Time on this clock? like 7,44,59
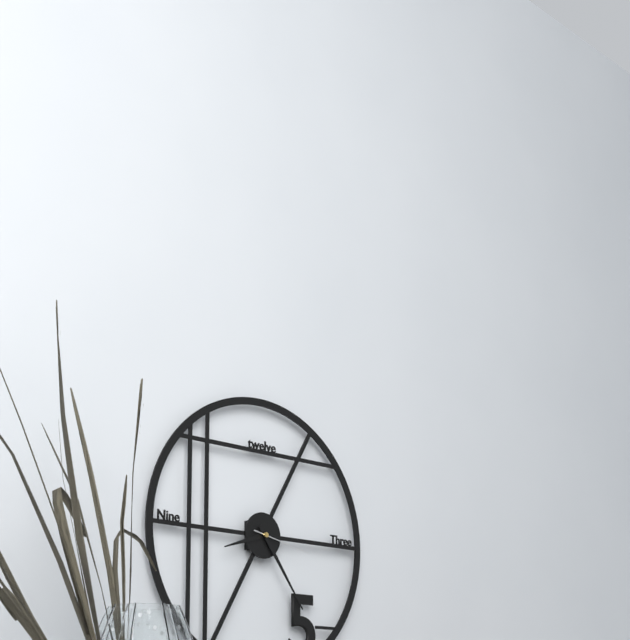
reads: 8,24,17
